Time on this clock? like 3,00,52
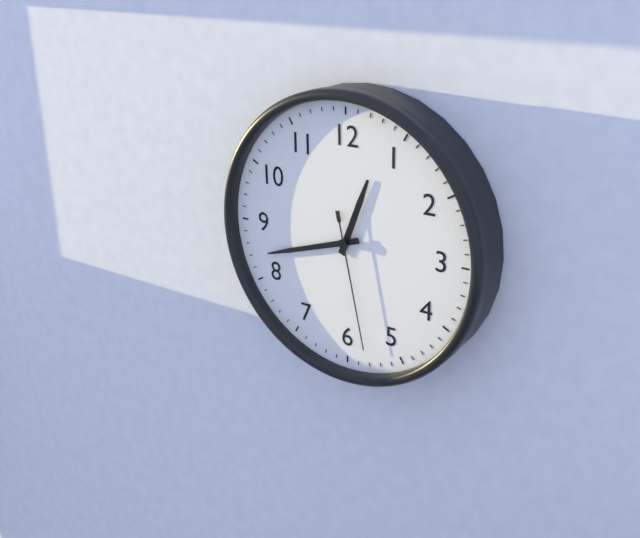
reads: 12,42,28
